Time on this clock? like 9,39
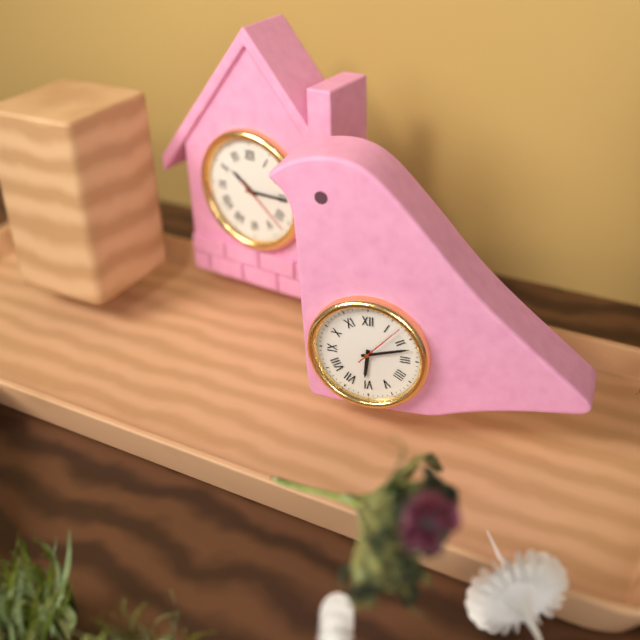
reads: 6,12
